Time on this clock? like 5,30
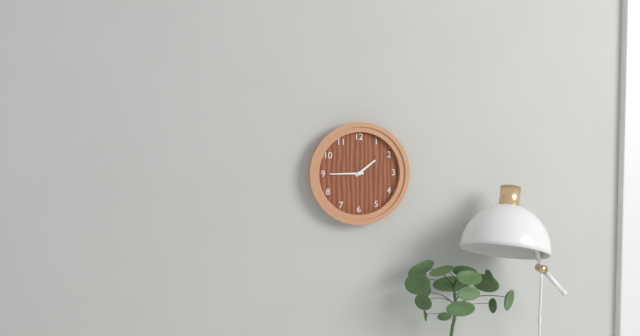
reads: 1,45
